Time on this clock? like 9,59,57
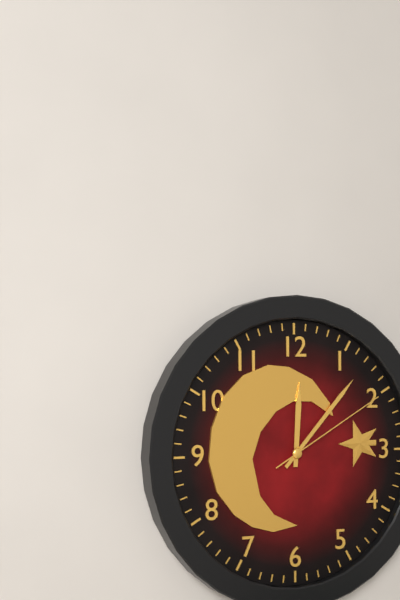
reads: 12,07,10
